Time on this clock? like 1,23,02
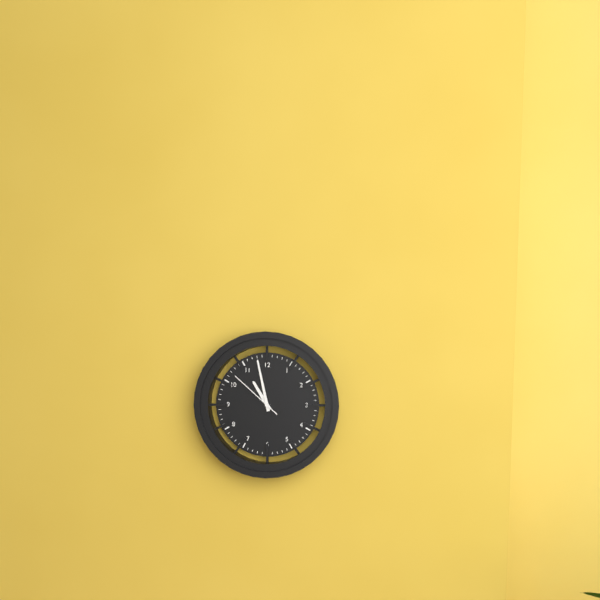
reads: 10,58,52
